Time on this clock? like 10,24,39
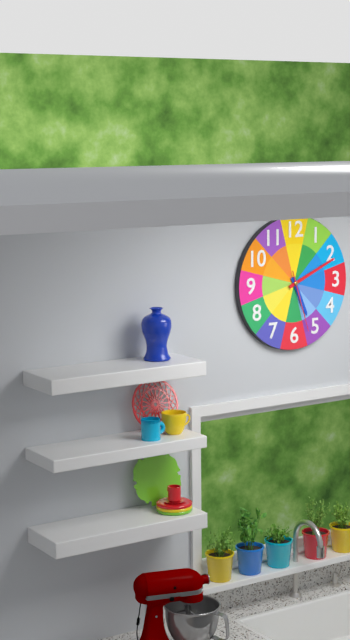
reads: 5,11,27
